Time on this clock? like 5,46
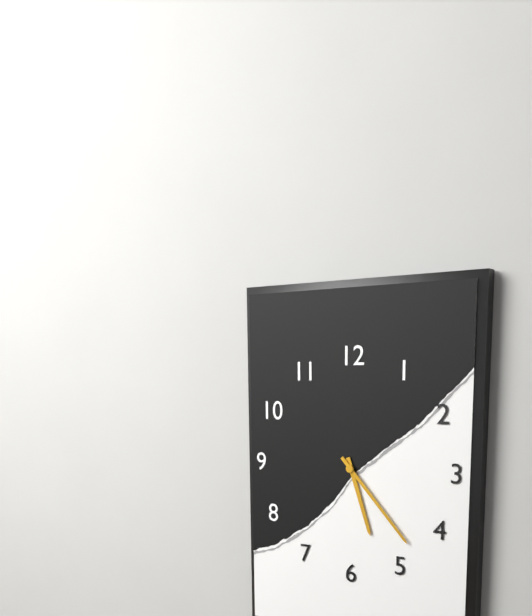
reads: 5,23
